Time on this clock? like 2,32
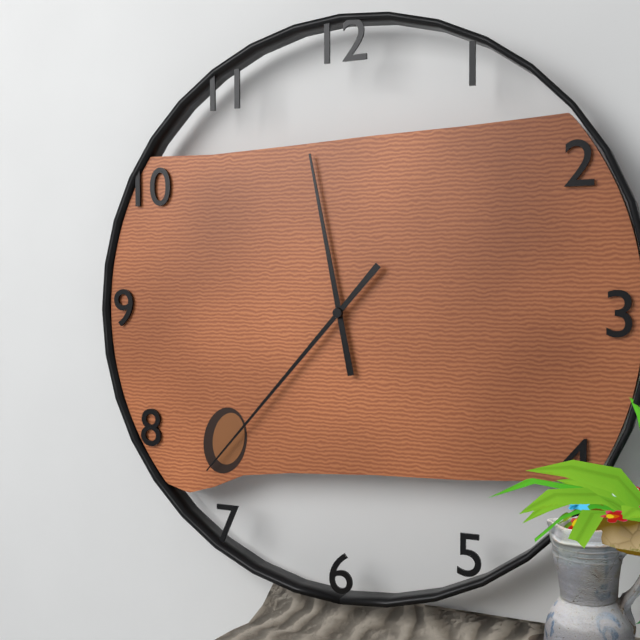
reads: 11,37
